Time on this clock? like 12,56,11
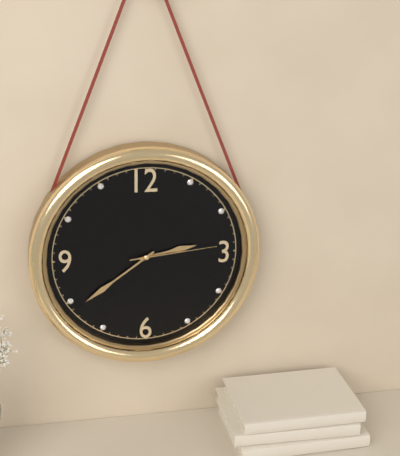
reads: 2,39,14
